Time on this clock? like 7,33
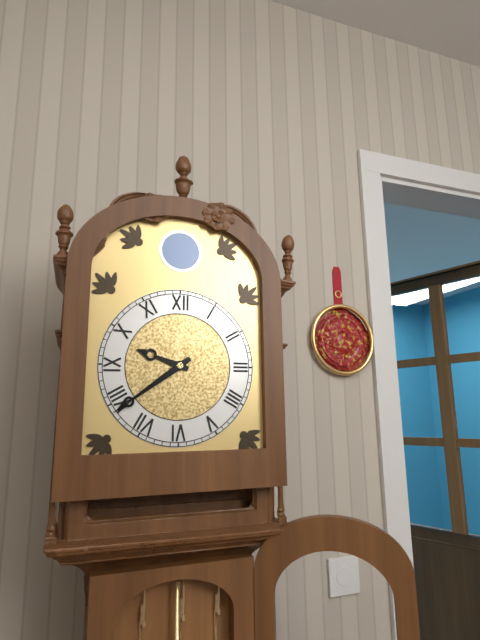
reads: 9,39
